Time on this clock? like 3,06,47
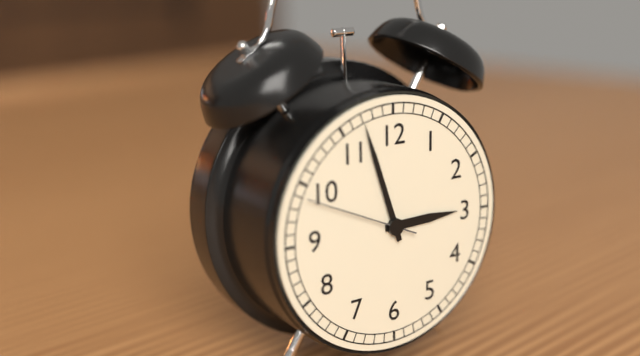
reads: 2,57,49
